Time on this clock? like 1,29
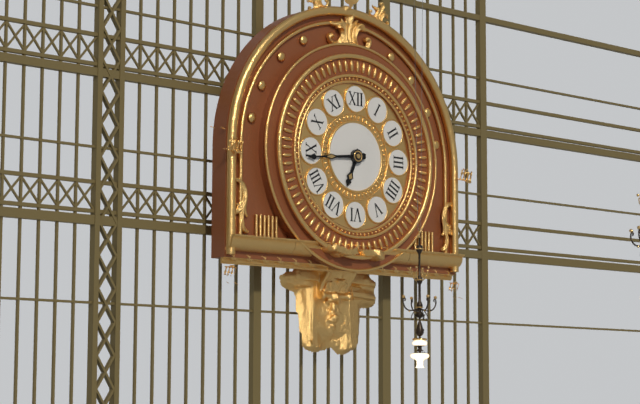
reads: 6,44
